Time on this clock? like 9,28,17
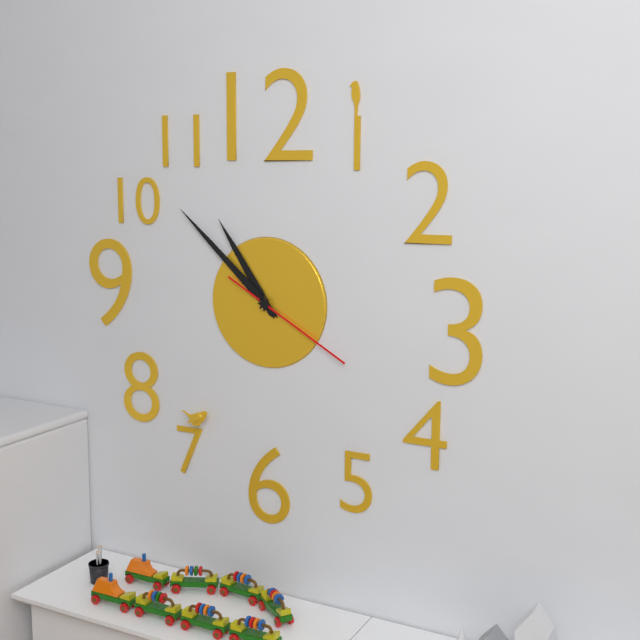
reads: 10,52,20
